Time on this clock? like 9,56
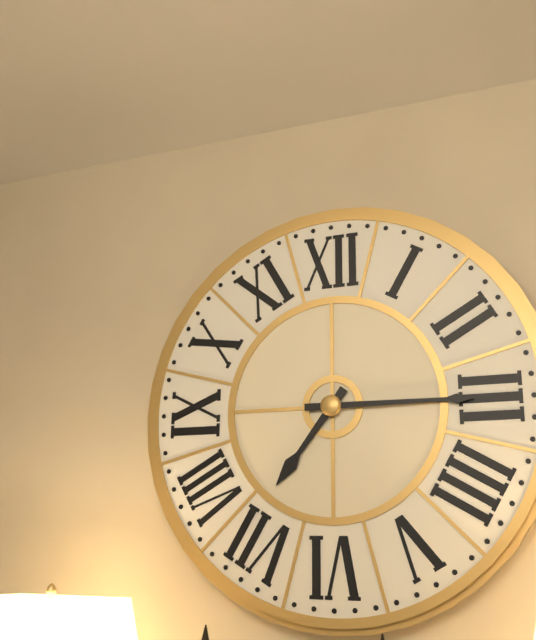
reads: 7,15
